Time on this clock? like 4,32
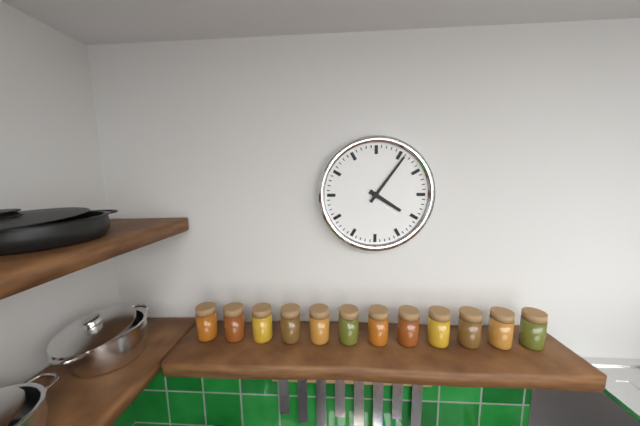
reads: 4,06
